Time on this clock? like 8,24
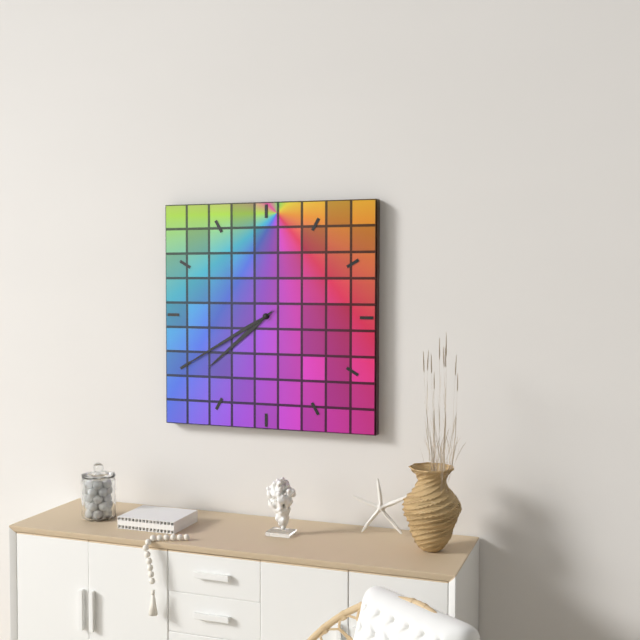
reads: 7,40
